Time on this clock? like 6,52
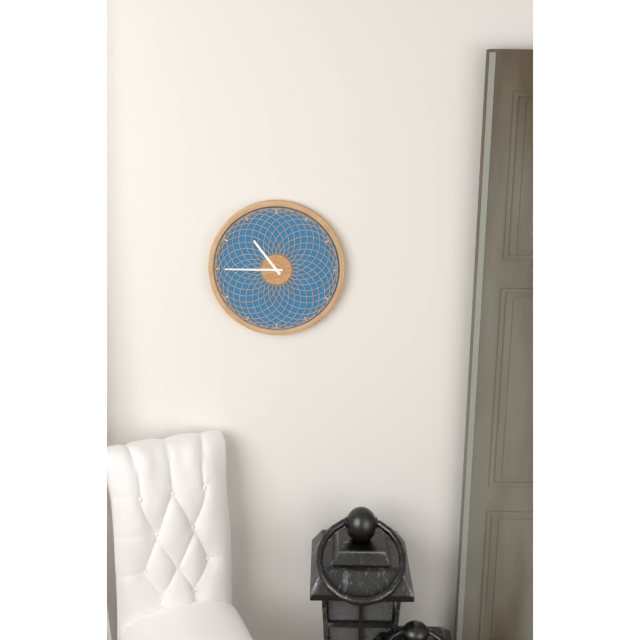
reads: 10,45
